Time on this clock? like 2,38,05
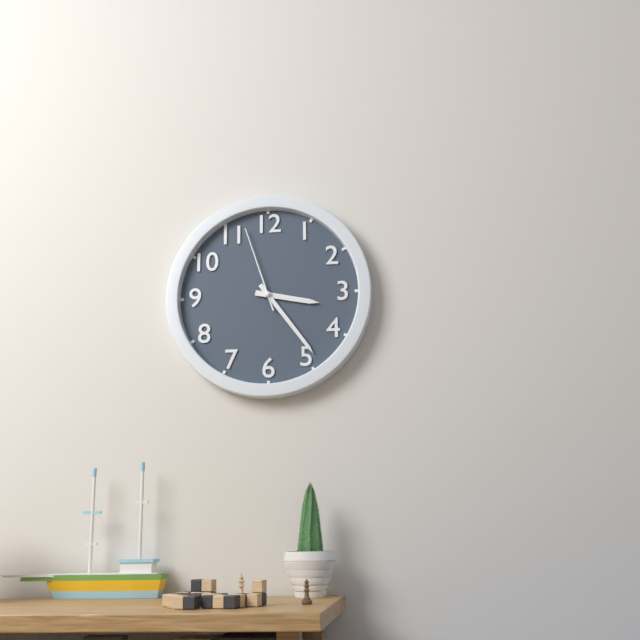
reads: 3,24,57
